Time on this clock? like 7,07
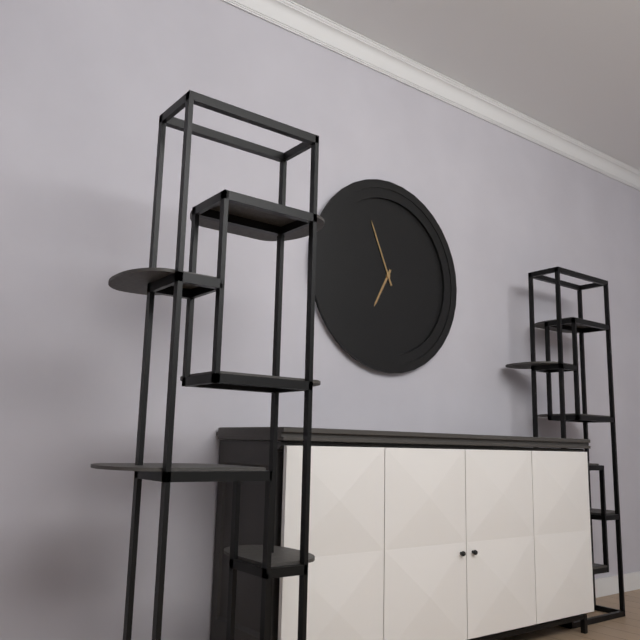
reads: 6,56
